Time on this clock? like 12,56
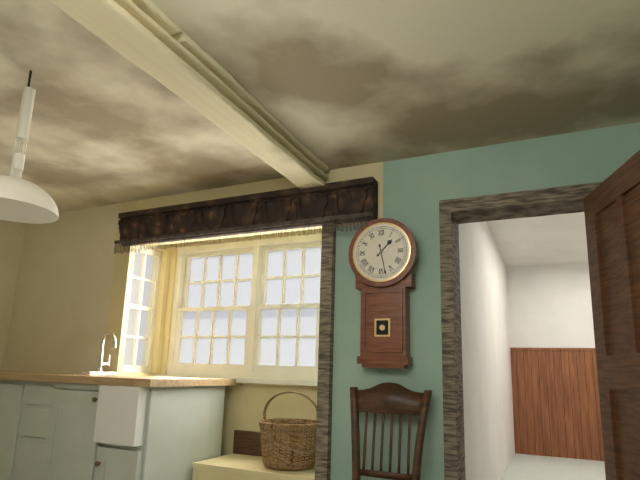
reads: 1,28
